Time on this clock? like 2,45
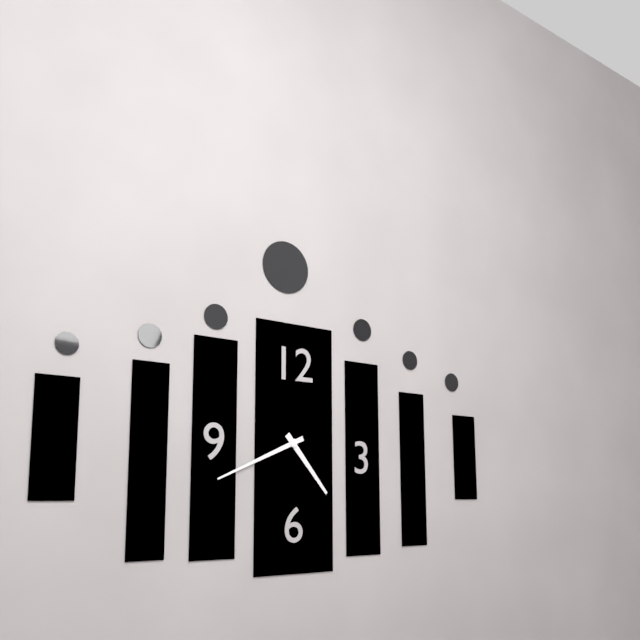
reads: 4,41
